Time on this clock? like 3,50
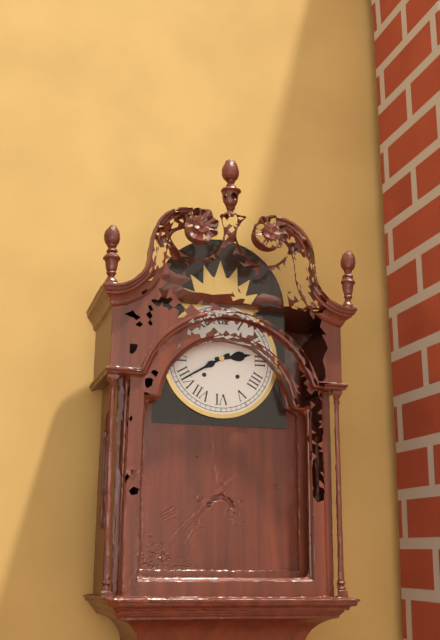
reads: 2,40
